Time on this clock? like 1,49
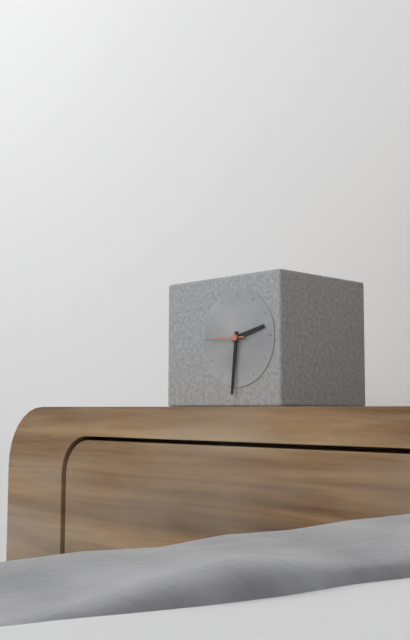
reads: 2,31
